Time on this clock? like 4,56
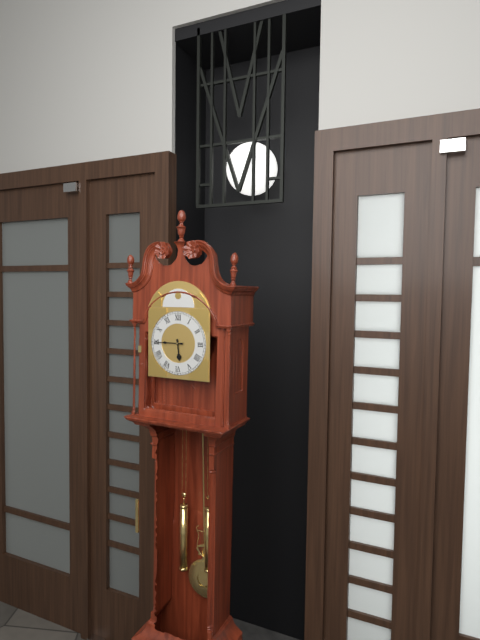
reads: 5,45
